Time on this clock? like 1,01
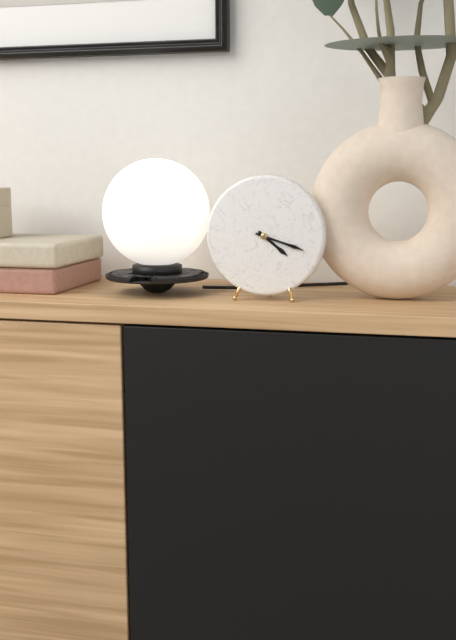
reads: 4,18
